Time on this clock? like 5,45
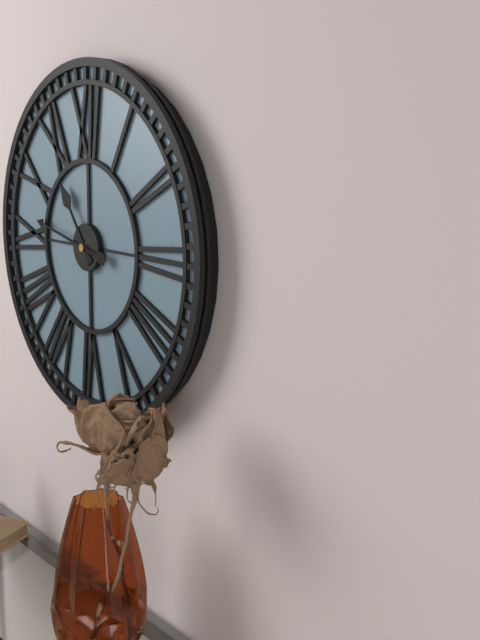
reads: 10,47
